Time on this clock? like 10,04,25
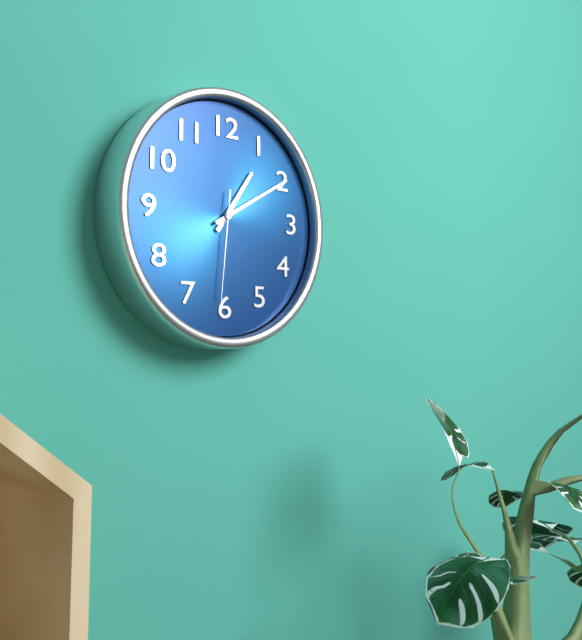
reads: 1,10,31
